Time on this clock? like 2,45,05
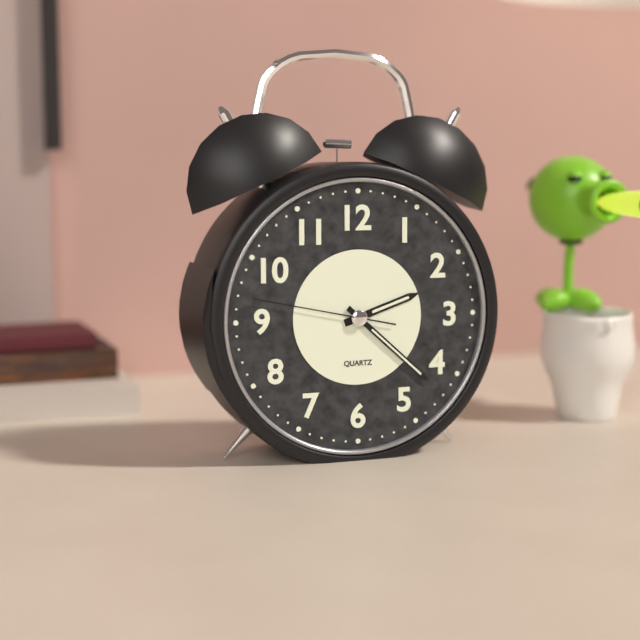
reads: 2,22,47
